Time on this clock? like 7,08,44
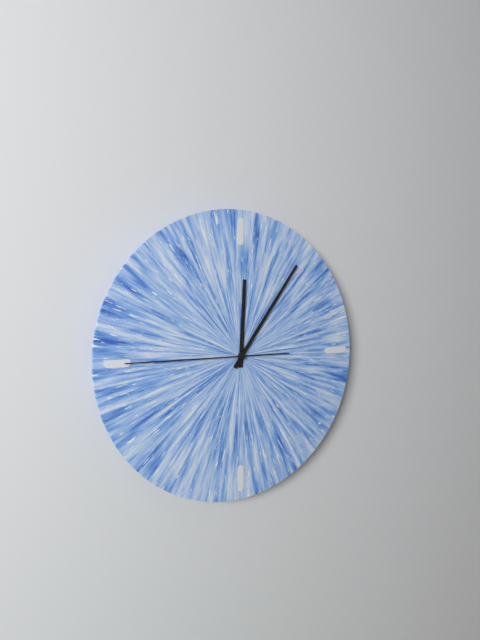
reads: 12,06,45
